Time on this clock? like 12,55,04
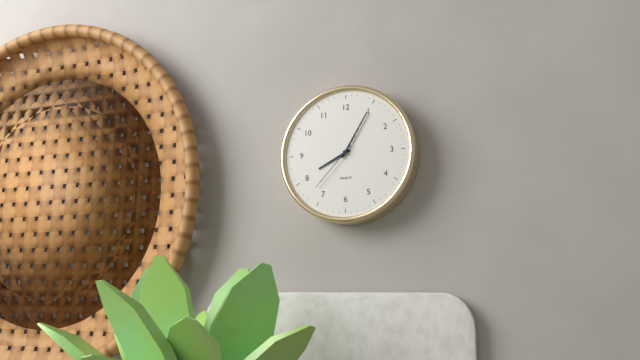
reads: 8,05,37
